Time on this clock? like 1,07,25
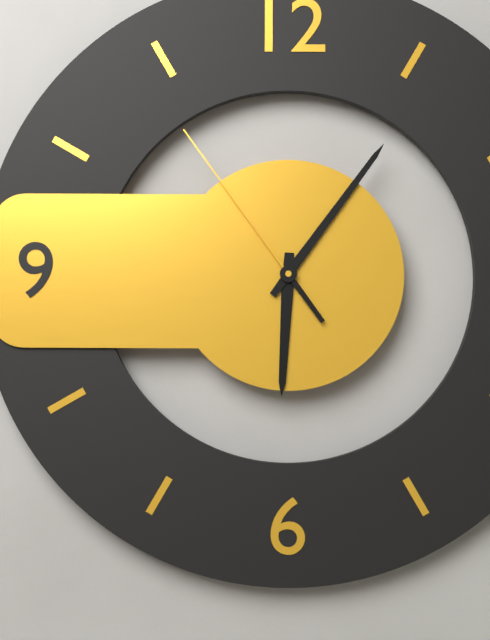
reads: 6,06,54
